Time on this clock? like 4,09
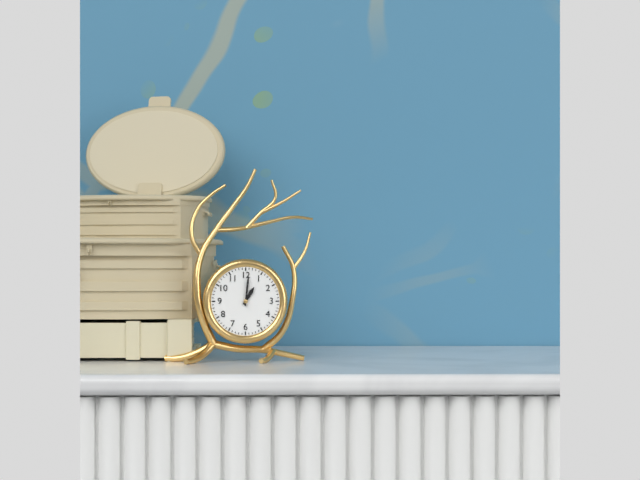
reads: 1,01
